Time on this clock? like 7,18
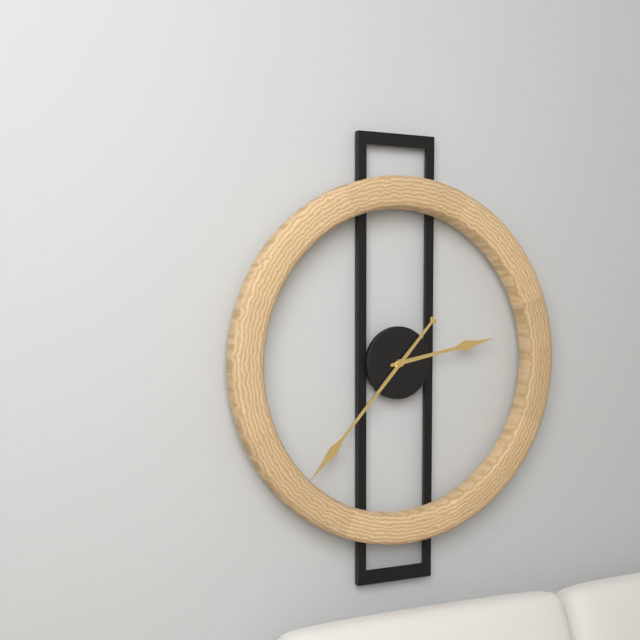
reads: 2,37
